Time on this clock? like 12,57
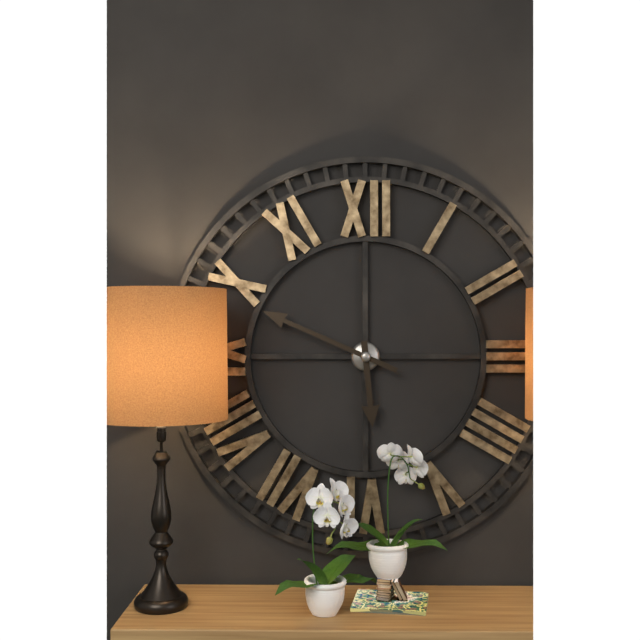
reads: 5,49
